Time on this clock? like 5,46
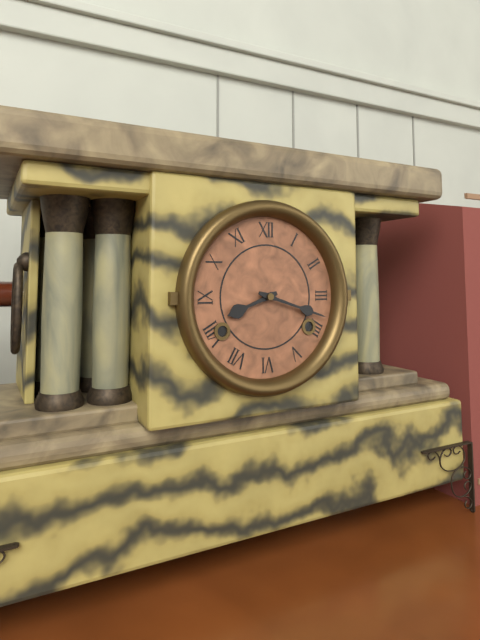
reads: 8,18
